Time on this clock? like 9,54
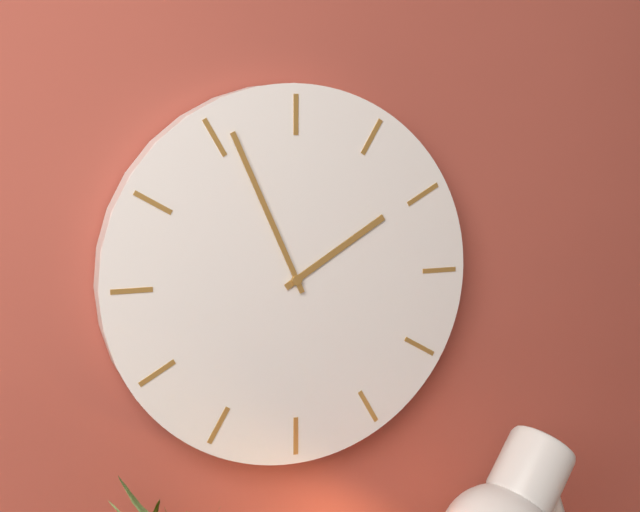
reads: 1,56
